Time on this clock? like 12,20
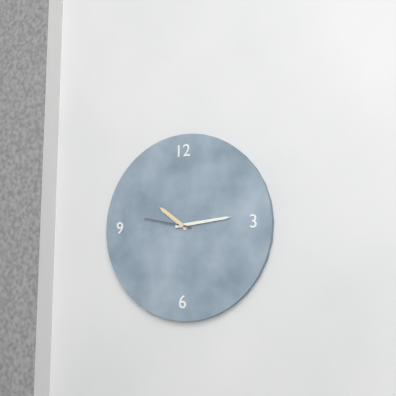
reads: 10,14
